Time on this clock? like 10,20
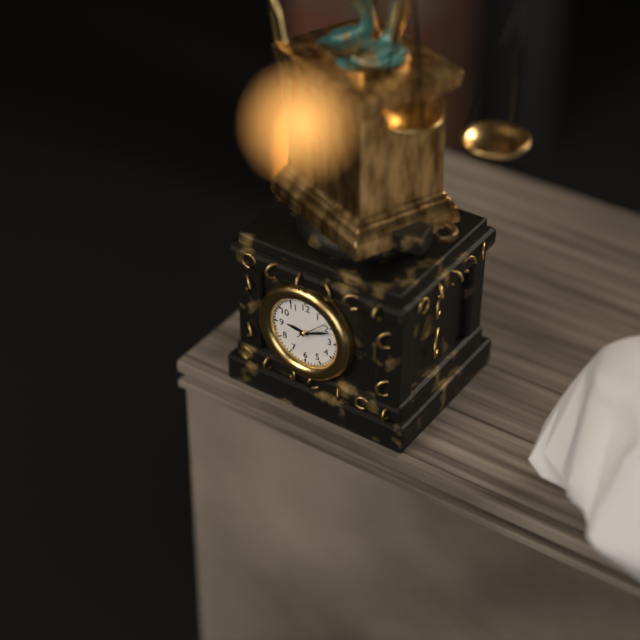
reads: 9,11
